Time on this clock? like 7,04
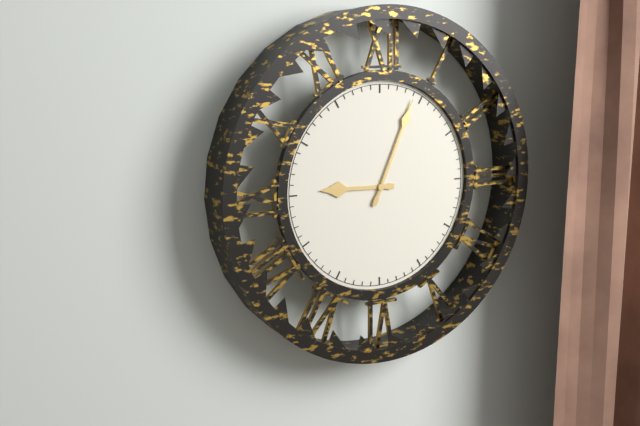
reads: 9,04
